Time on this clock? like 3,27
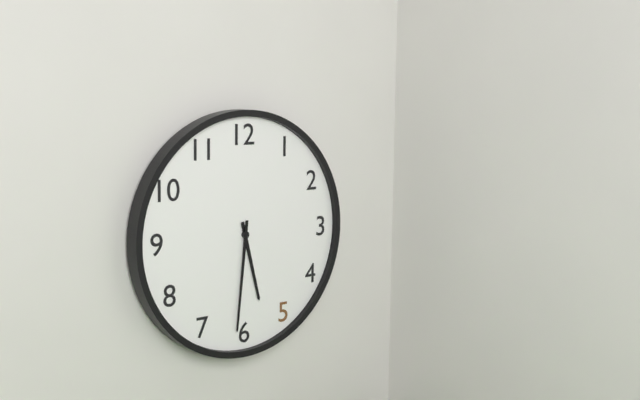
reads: 5,31
